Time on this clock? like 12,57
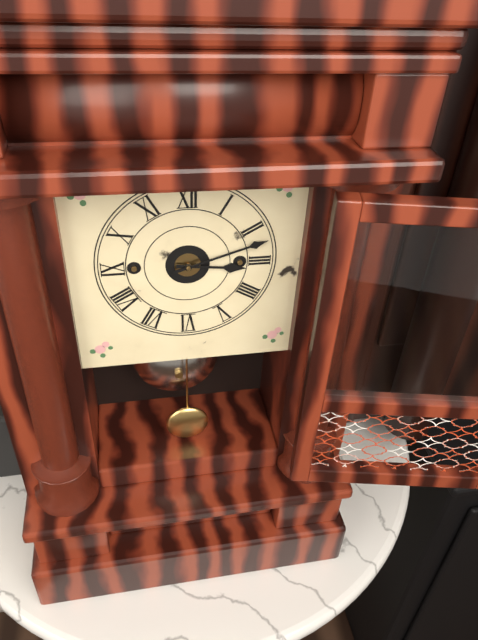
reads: 3,12
